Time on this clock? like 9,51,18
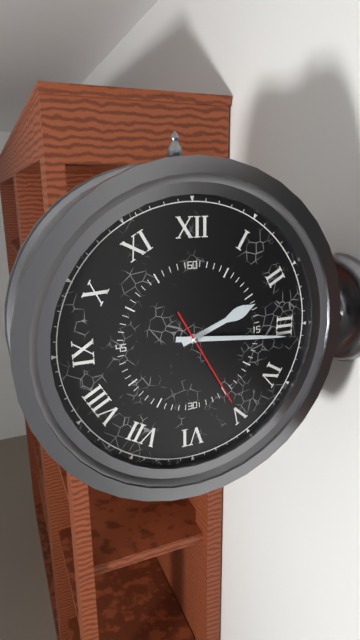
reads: 2,16,25
